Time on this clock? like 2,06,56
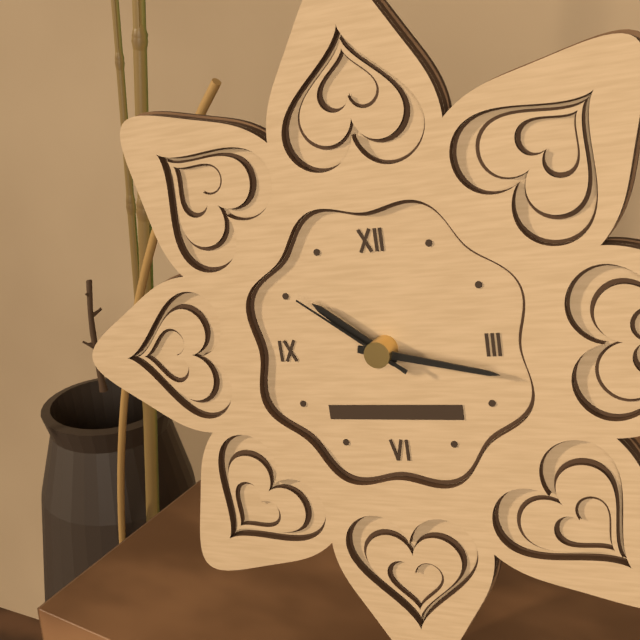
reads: 10,17,51
